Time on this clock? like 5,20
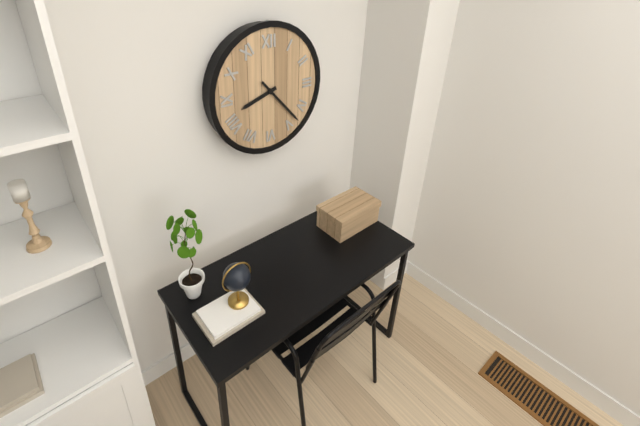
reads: 8,23
